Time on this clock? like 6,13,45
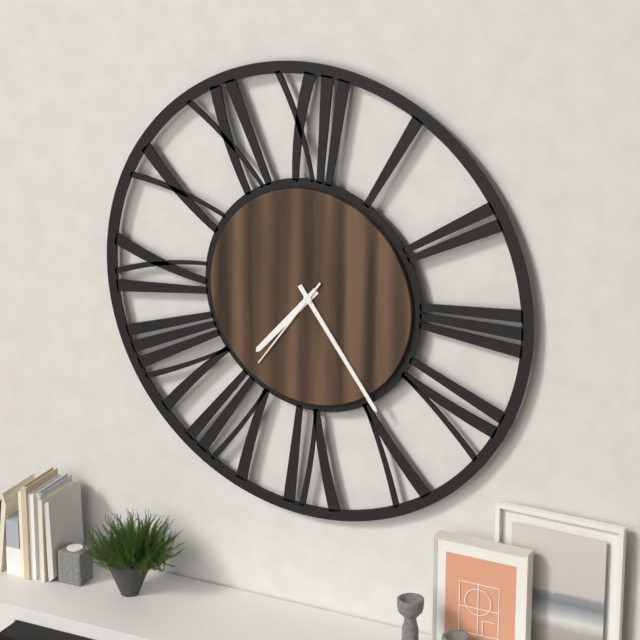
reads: 7,24,36
